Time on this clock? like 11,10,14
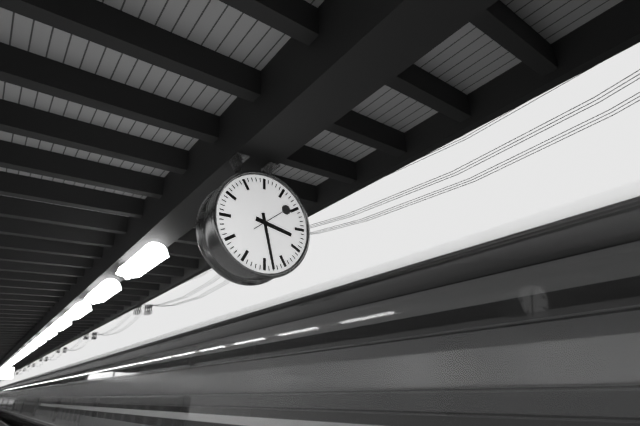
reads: 3,28,09
